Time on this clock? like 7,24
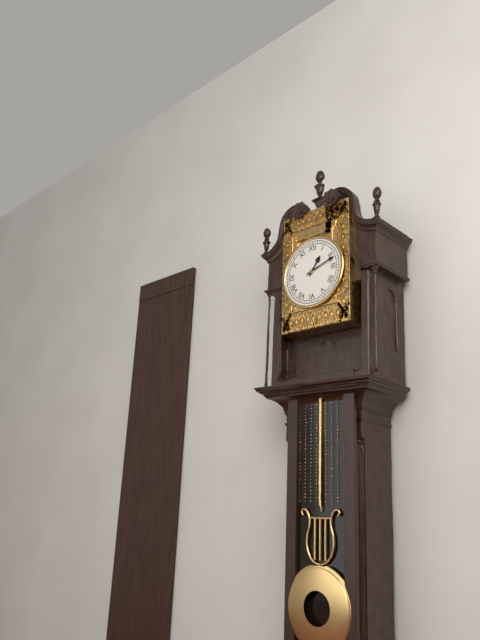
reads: 1,12
